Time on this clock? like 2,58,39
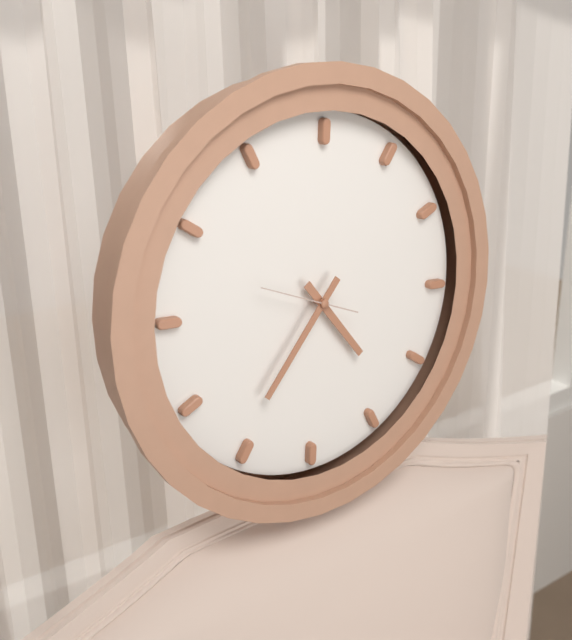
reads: 4,36,48
